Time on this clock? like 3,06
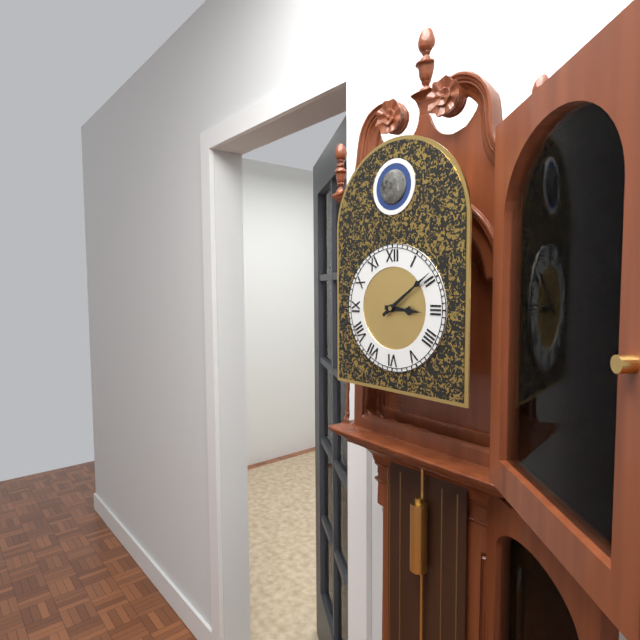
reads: 3,09
